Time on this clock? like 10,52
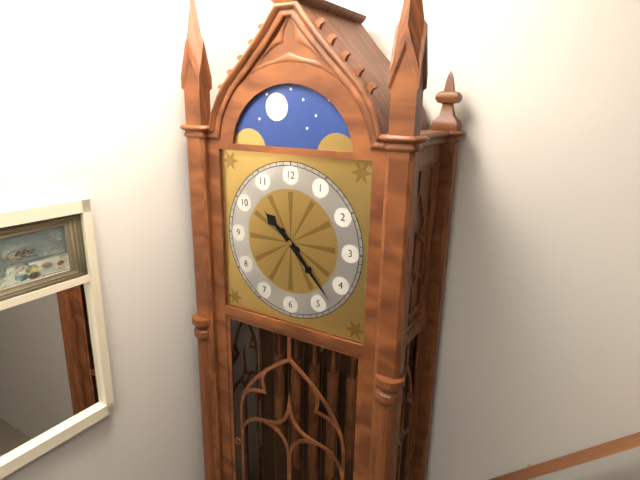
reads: 10,23
